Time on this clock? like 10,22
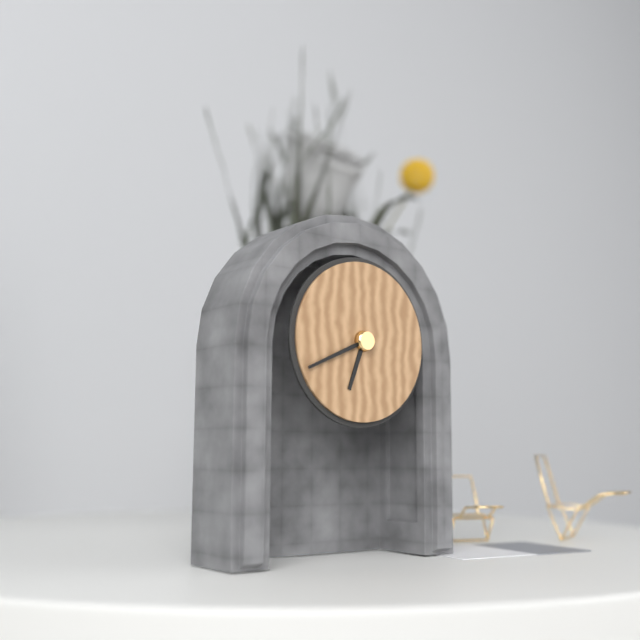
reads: 6,41
